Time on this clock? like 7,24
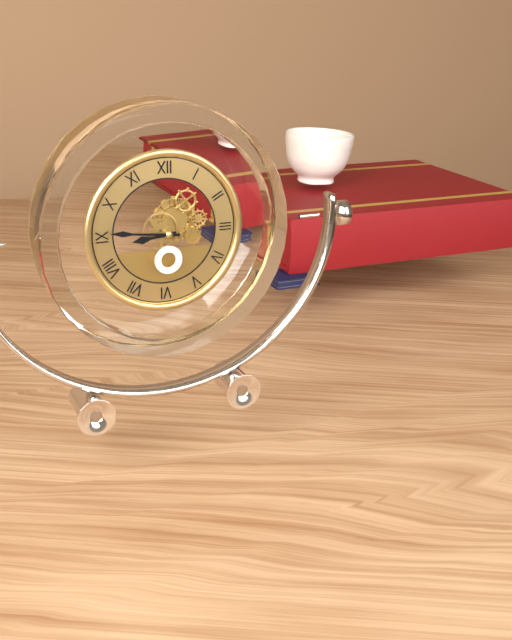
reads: 8,46
